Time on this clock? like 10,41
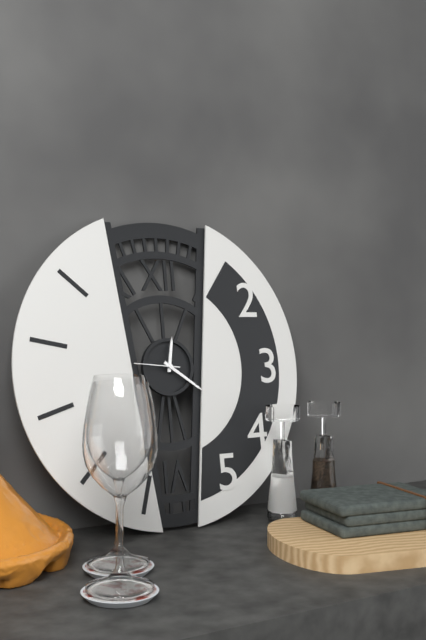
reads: 12,21
